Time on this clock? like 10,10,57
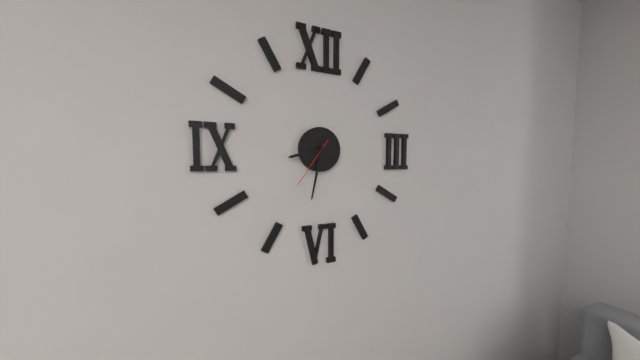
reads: 8,32,36
